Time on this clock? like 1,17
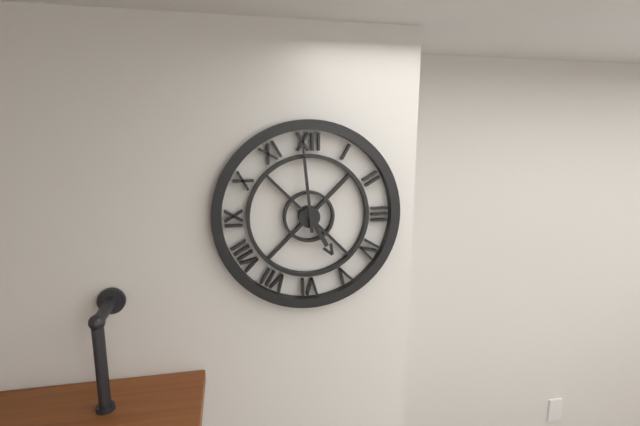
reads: 4,59
